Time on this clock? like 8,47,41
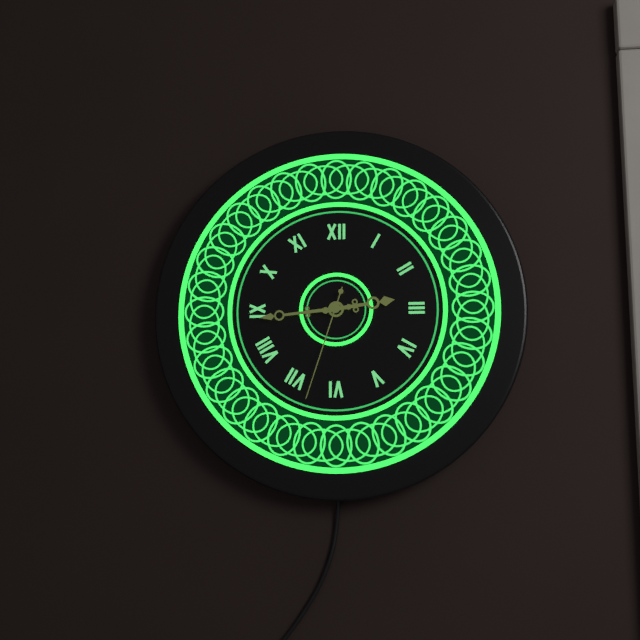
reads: 2,44,33
